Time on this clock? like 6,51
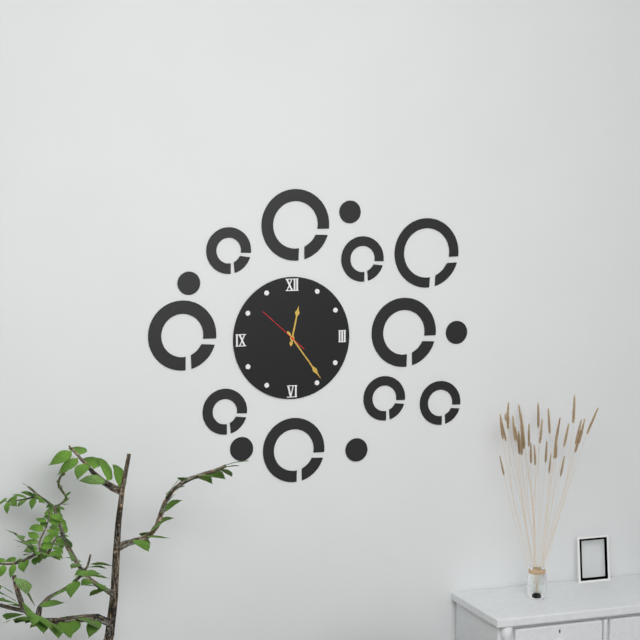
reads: 12,24
